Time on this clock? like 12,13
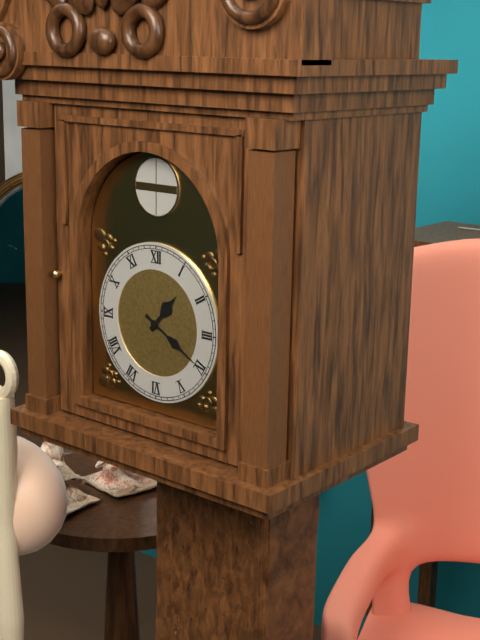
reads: 1,20
